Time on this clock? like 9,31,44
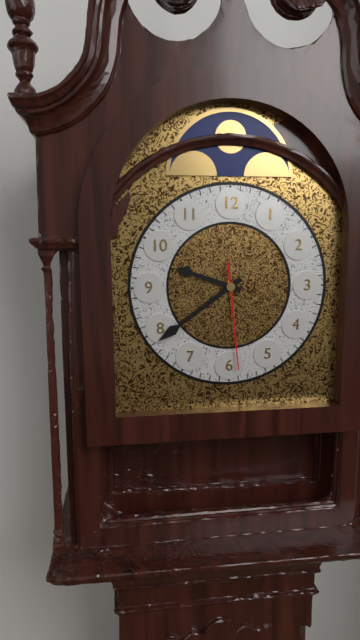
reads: 9,39,29
